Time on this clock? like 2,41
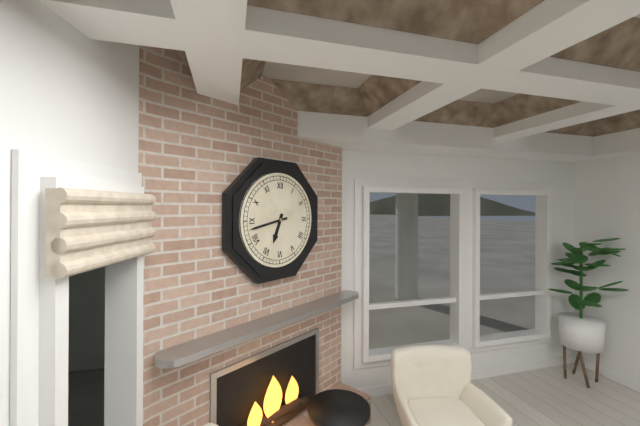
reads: 6,43
